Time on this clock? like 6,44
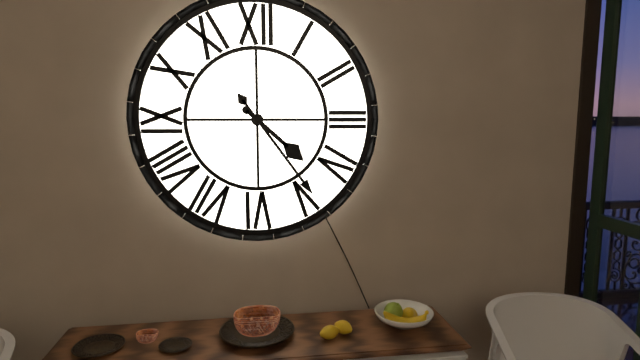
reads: 4,24
